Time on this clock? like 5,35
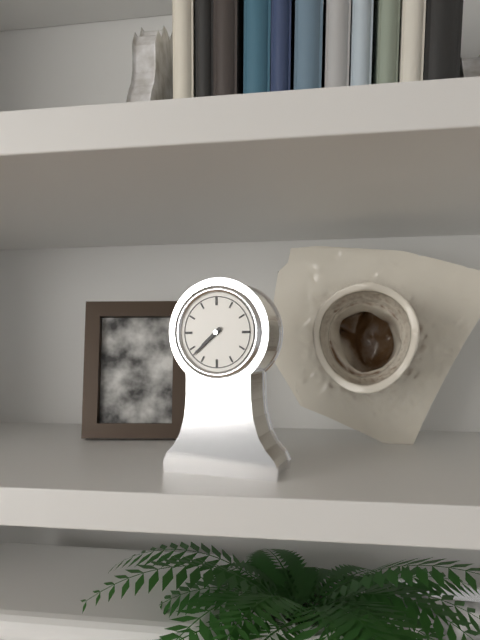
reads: 7,38
